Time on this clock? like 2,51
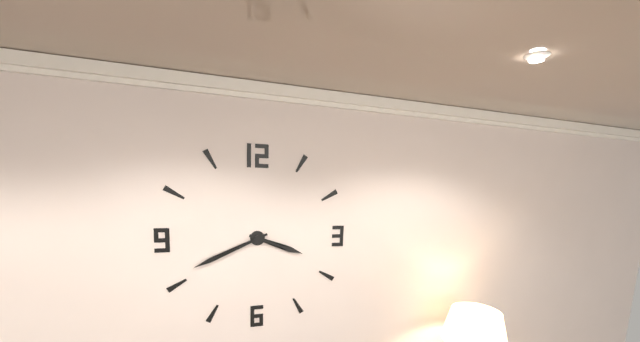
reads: 3,41
